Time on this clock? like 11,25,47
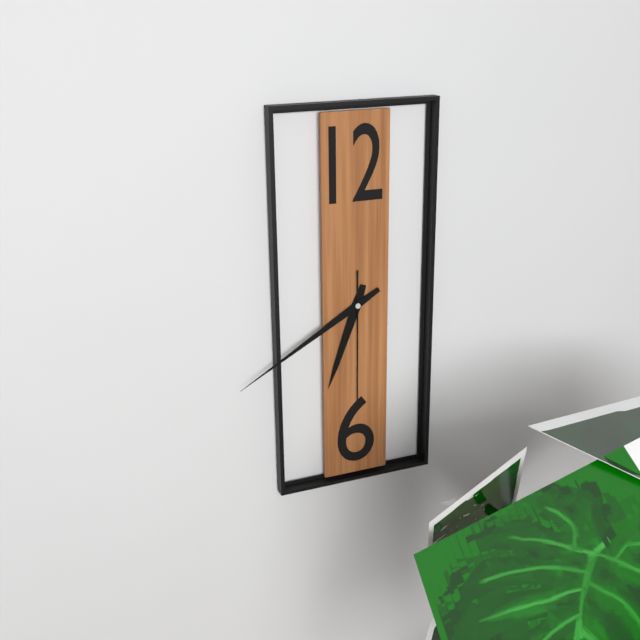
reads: 6,40,30
